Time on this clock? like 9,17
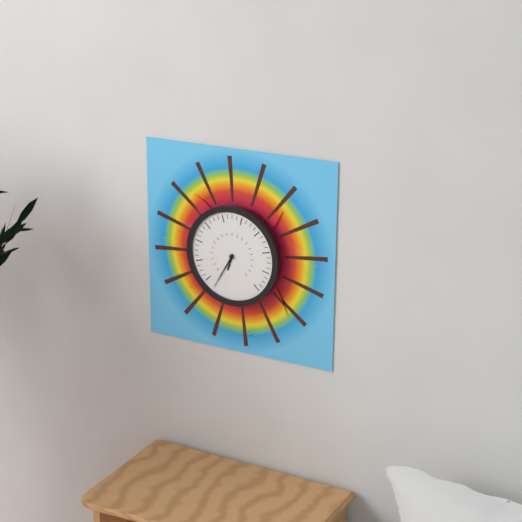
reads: 6,35
